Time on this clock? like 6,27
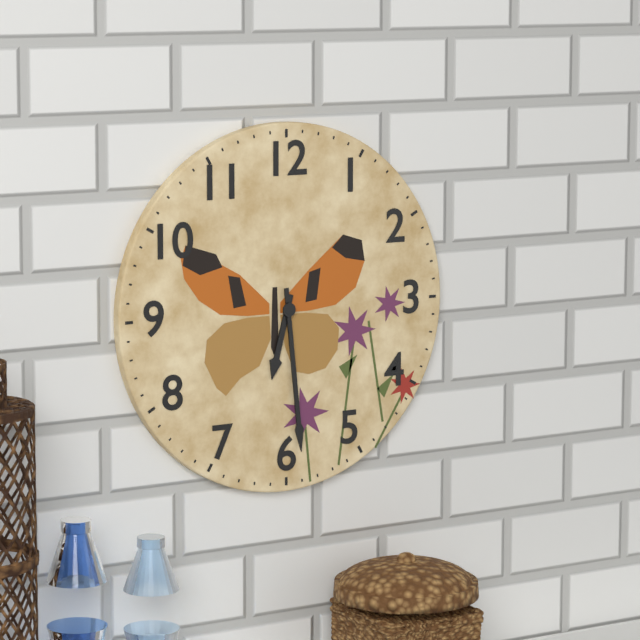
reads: 6,29
